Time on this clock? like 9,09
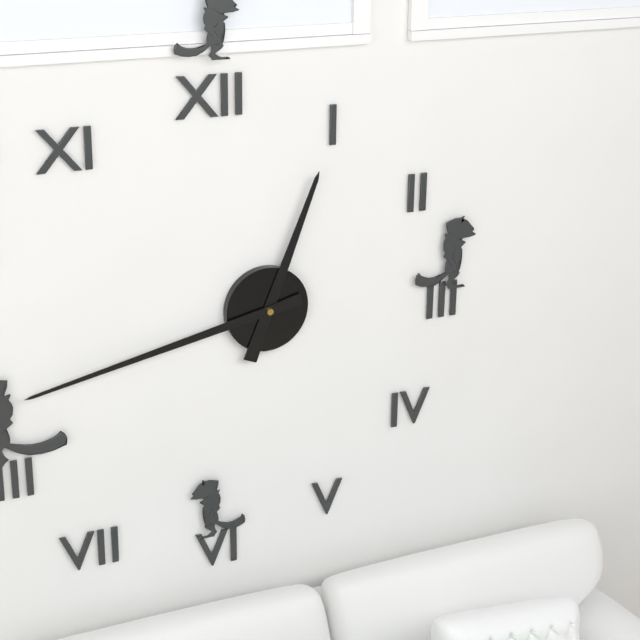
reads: 12,43
